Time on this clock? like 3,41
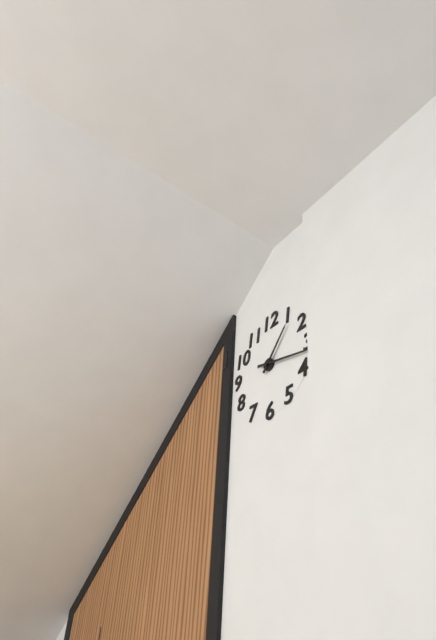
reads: 1,17
